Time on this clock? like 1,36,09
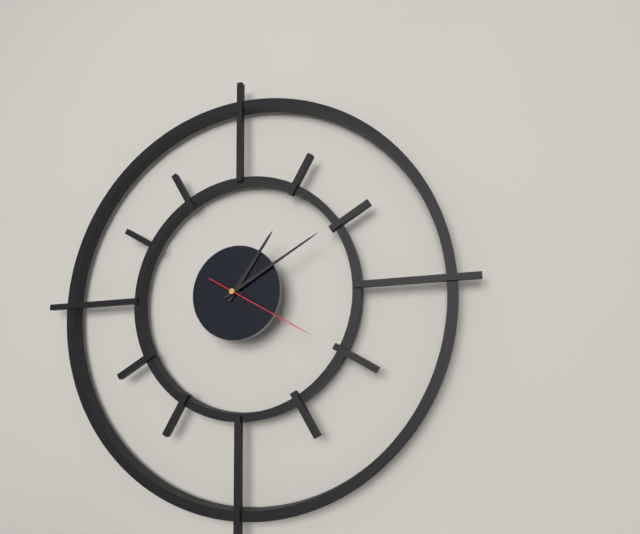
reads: 1,10,20
